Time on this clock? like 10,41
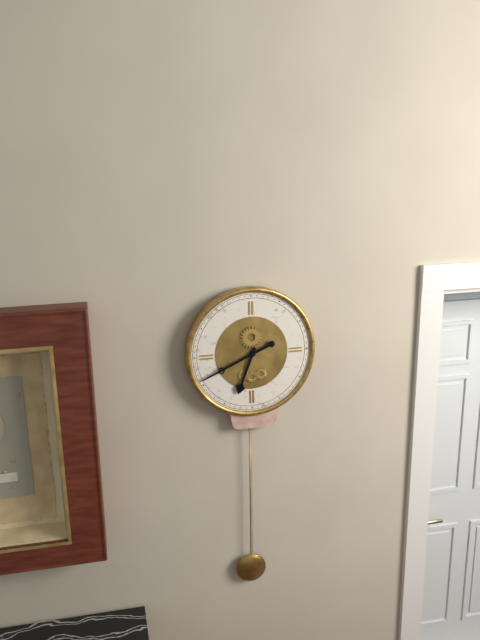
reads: 6,41
